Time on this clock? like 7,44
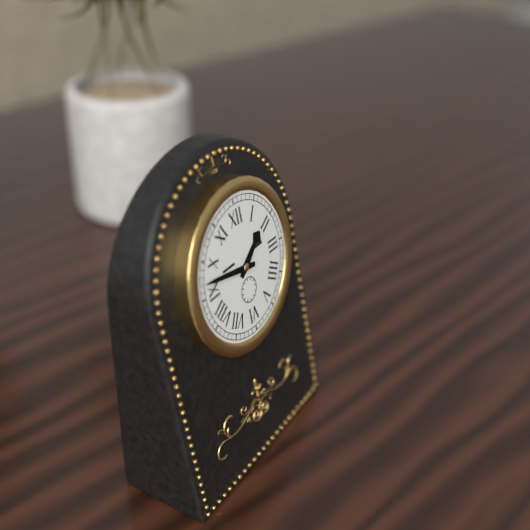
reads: 1,47
